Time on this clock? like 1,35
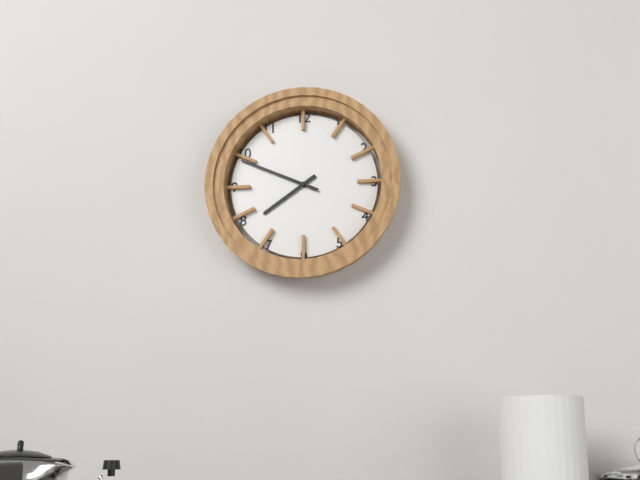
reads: 7,49
